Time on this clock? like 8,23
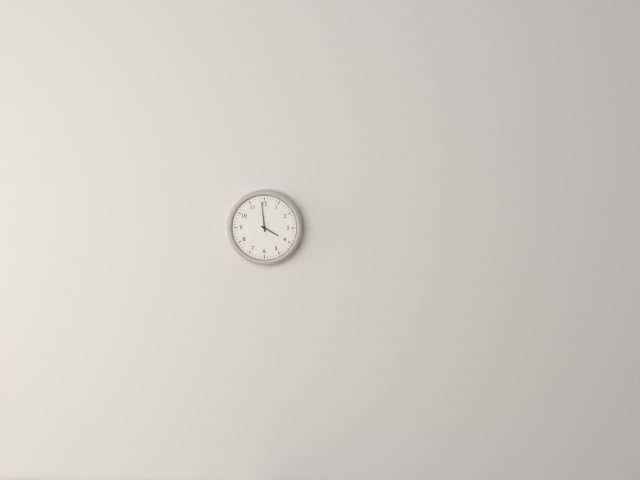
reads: 3,59
